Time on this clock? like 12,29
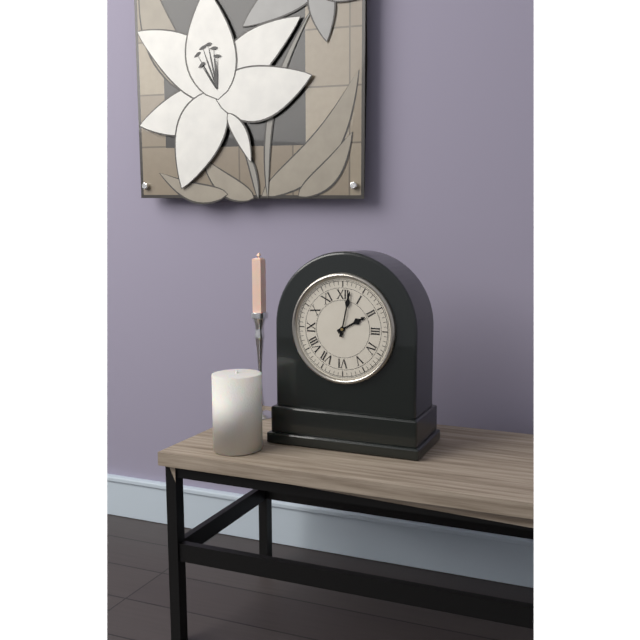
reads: 2,02
